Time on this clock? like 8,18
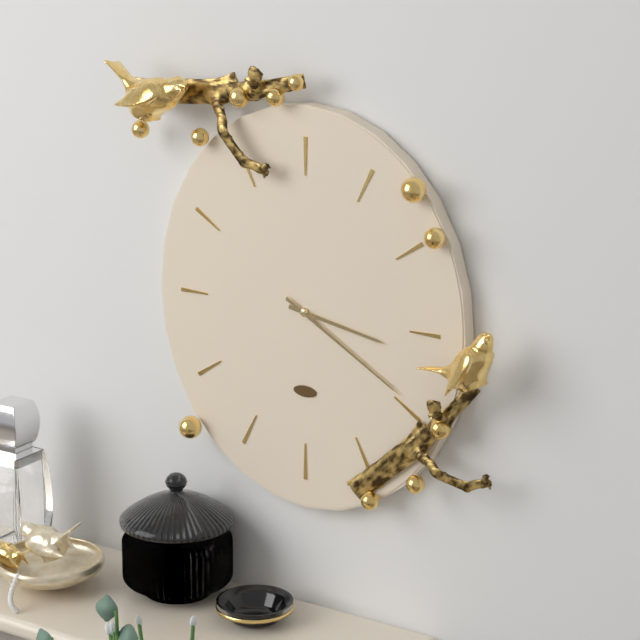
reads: 3,20
